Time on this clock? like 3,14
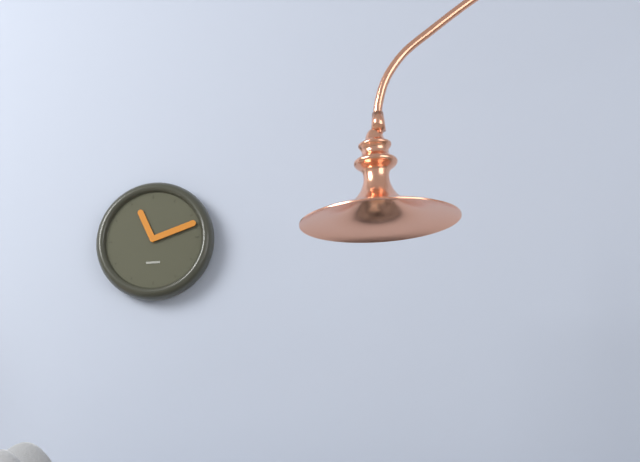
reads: 11,12
